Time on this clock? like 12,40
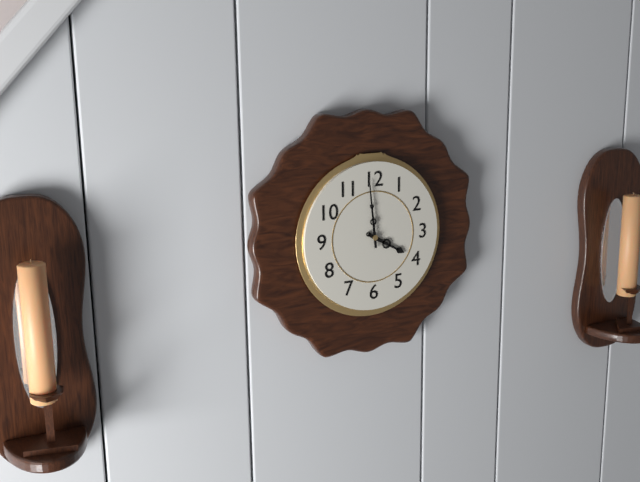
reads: 3,59
